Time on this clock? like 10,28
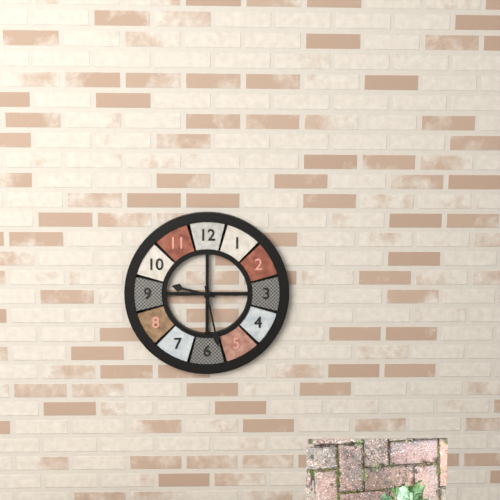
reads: 9,28
